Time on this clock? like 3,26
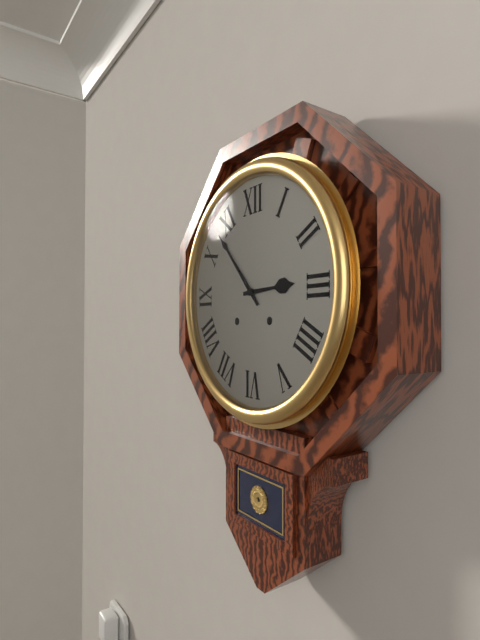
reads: 2,53
